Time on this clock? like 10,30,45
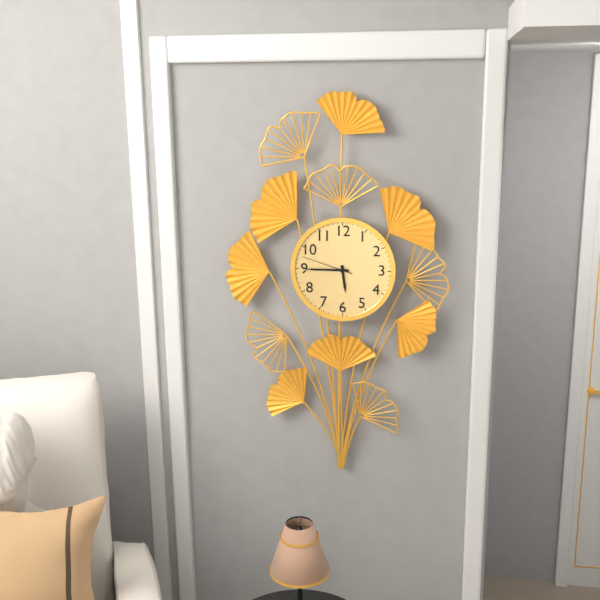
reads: 5,45,48
